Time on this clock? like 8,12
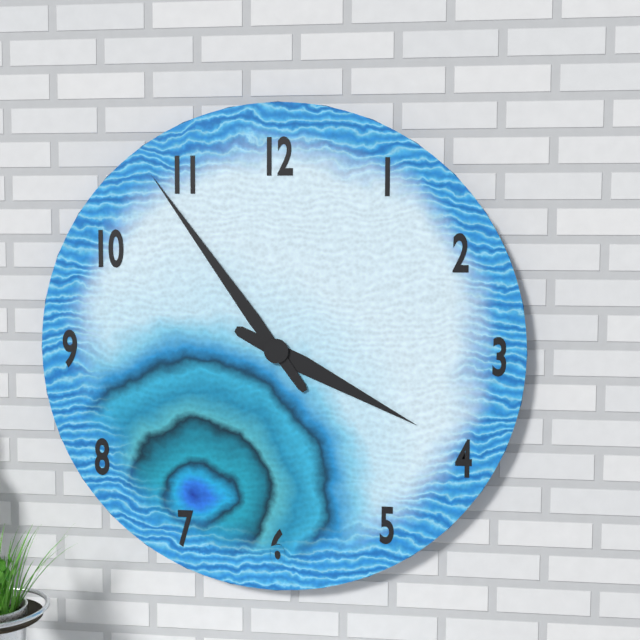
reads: 3,54
